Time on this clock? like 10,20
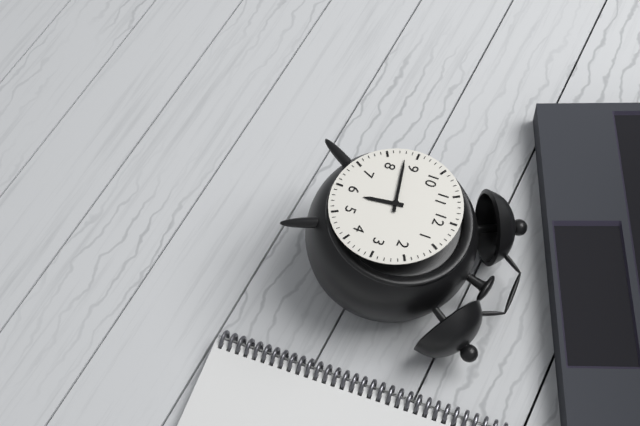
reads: 5,43
